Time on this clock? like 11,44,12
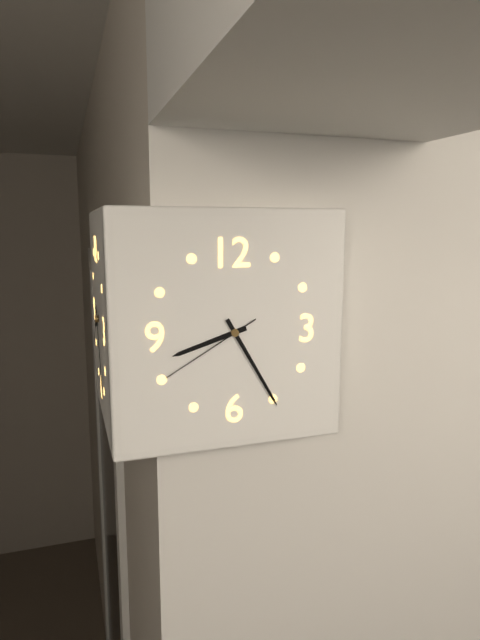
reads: 8,25,40
